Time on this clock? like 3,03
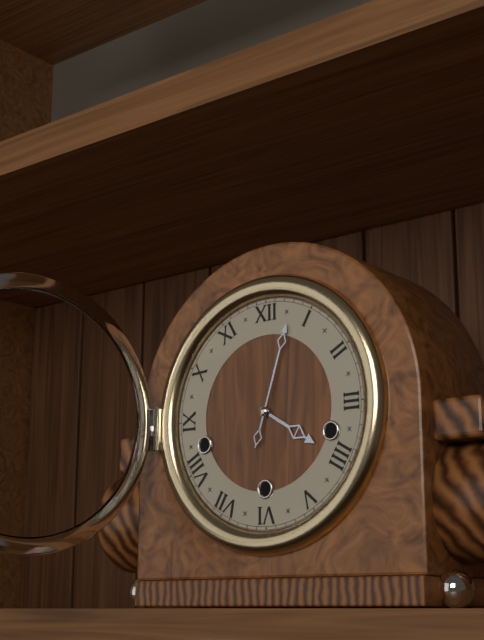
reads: 4,03
